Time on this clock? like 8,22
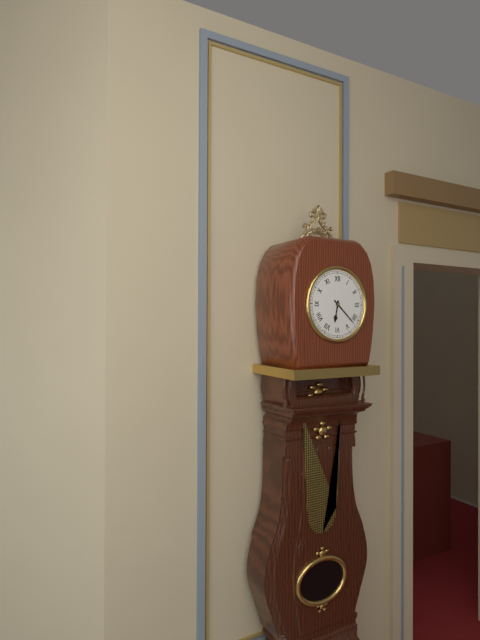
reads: 6,22
